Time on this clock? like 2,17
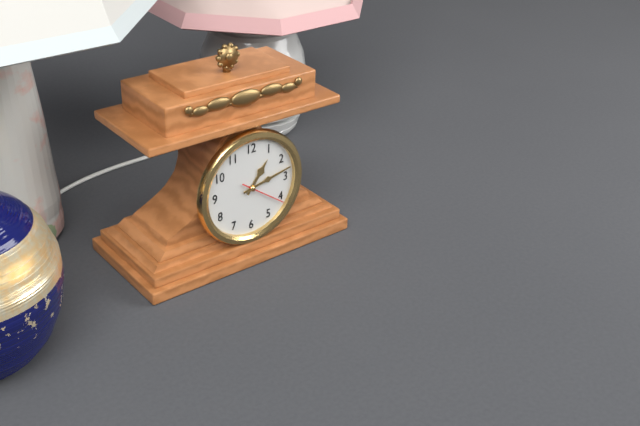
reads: 1,13
